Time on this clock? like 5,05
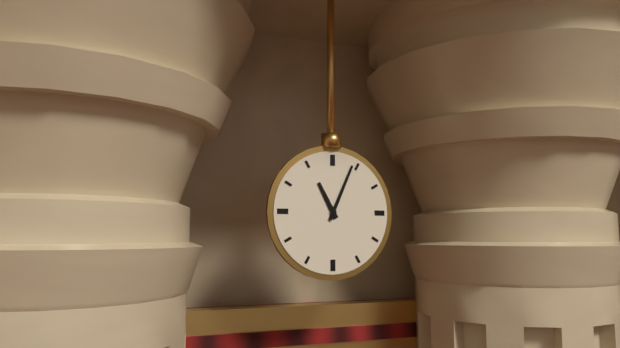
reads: 11,04
